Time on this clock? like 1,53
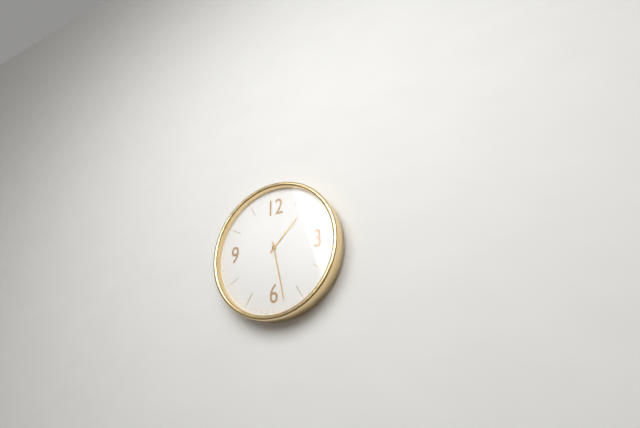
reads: 1,28
